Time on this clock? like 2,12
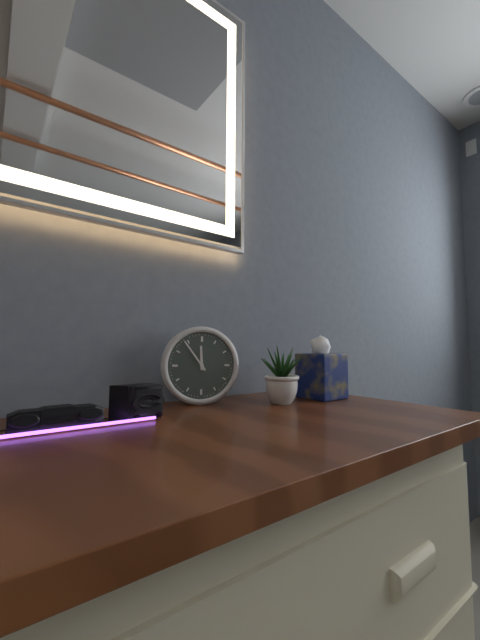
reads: 11,54
